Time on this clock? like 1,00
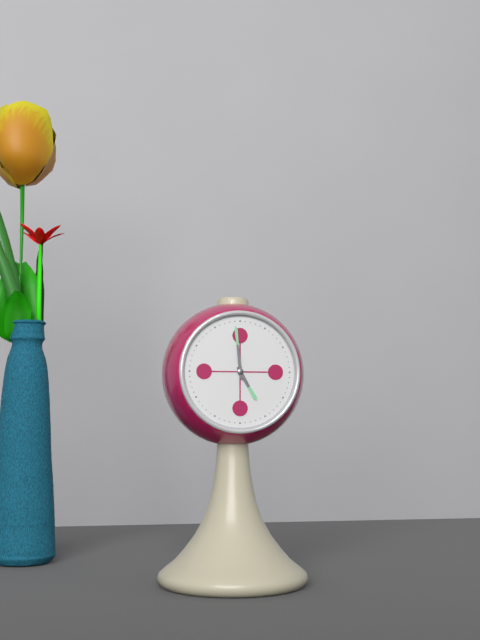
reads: 4,59
